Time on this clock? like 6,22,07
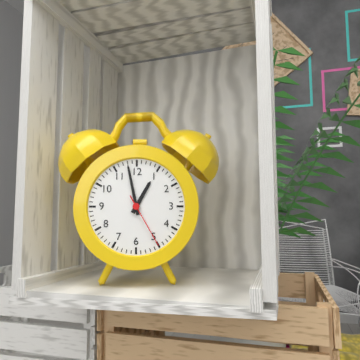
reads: 12,58,25
